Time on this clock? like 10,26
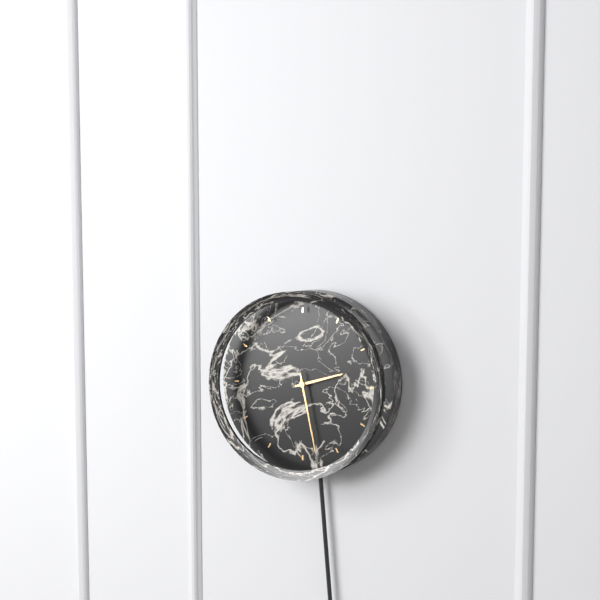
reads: 2,28
